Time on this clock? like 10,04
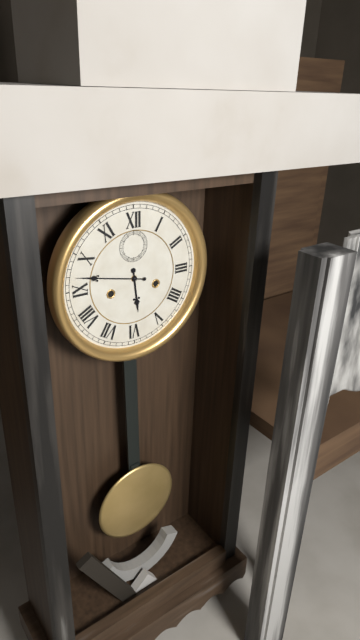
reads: 5,47
